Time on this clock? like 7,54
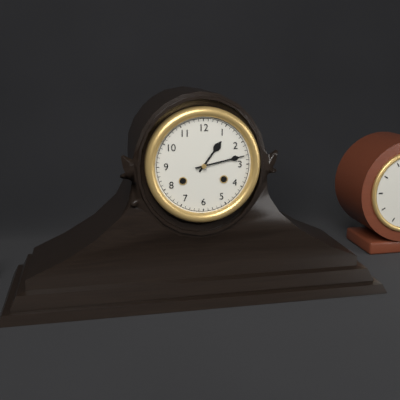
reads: 1,13
